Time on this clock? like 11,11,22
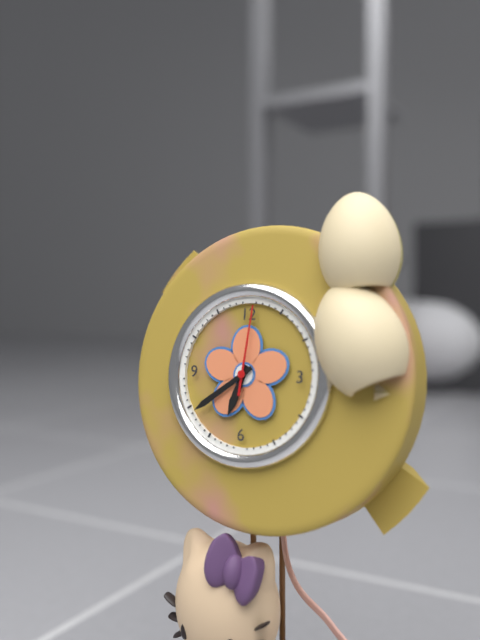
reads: 6,39,01
